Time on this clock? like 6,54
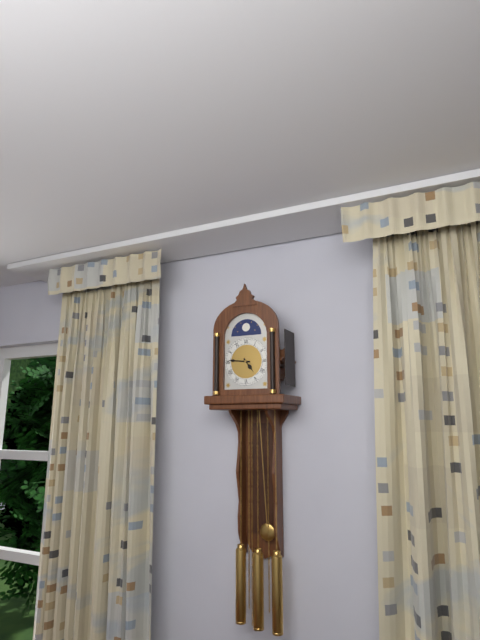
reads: 4,46
